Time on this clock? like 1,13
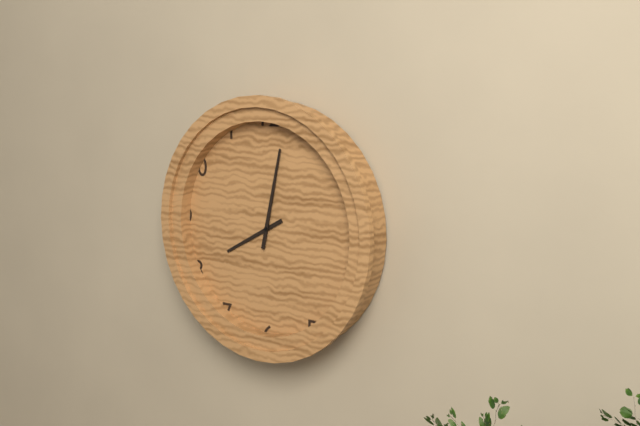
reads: 8,02
